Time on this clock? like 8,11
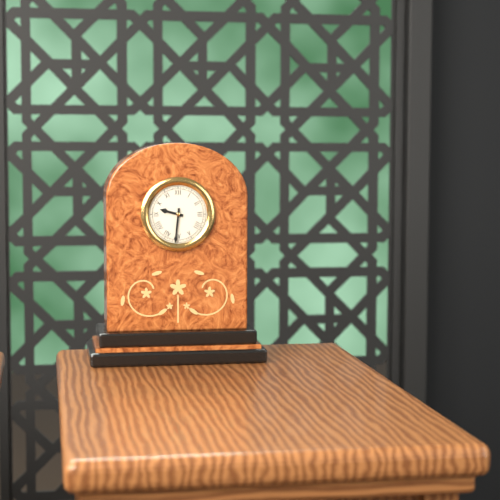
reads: 9,31
